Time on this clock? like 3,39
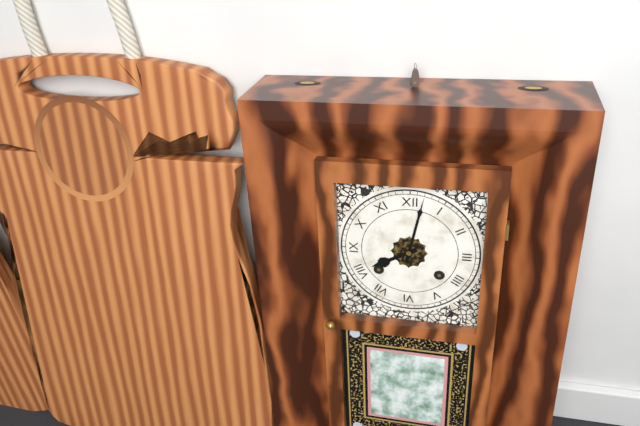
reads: 8,02
